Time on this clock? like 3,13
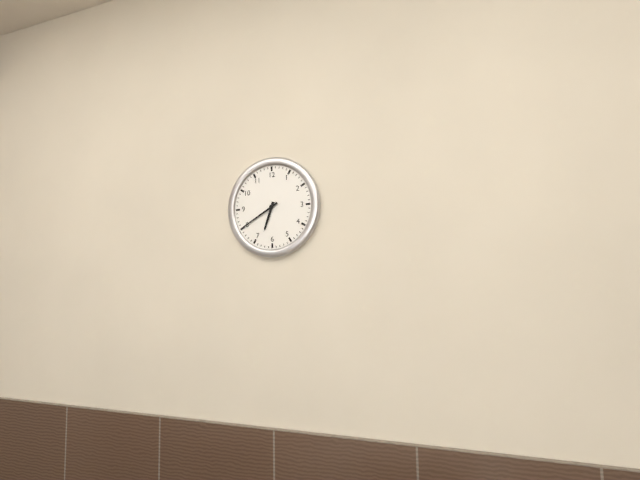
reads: 6,40
